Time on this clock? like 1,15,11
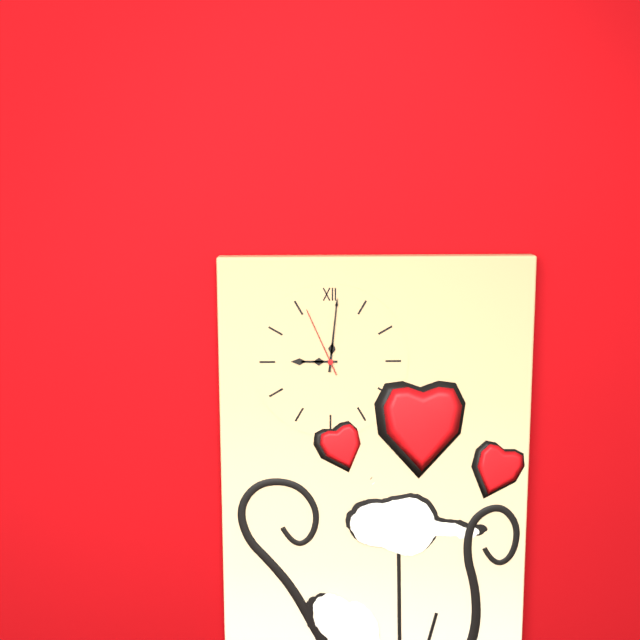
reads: 9,01,56
